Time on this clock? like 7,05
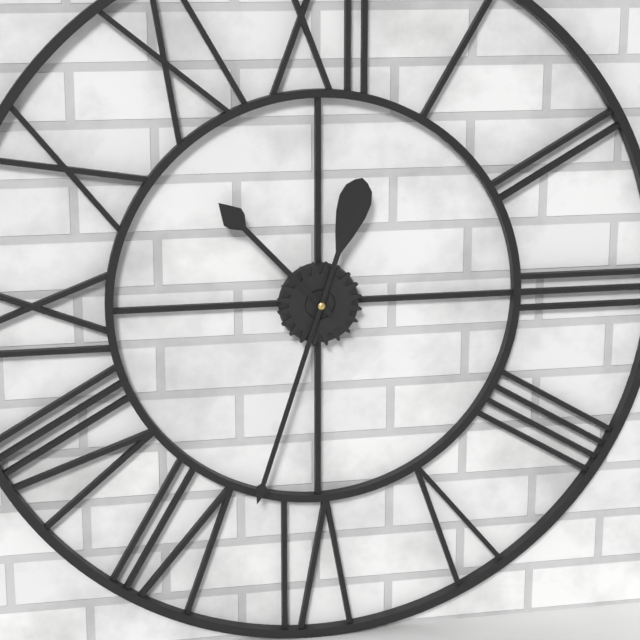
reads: 10,33
